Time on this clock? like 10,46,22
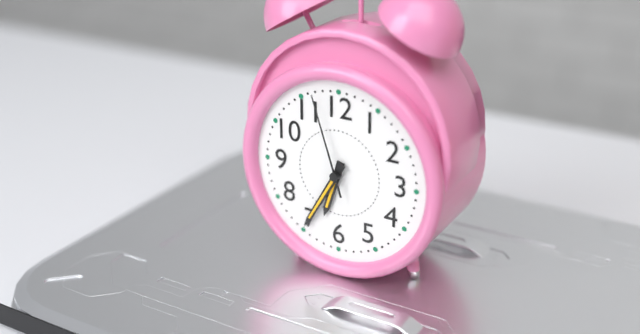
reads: 6,35,57
